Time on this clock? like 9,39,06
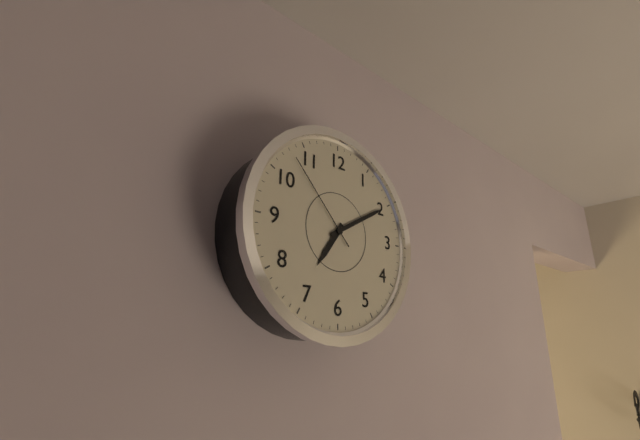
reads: 7,10,53
